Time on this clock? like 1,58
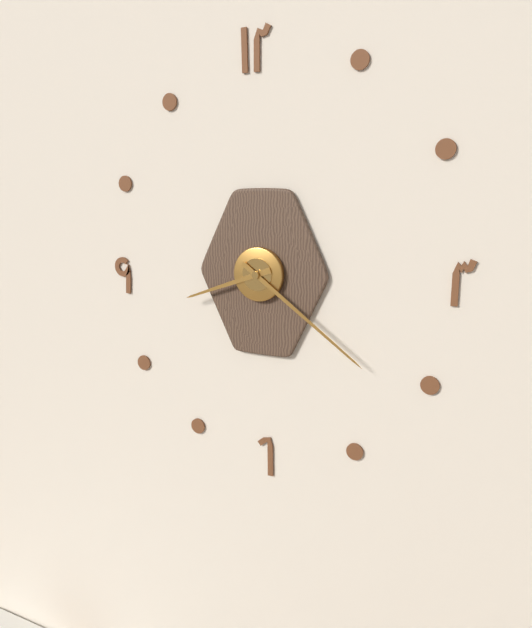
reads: 8,21
